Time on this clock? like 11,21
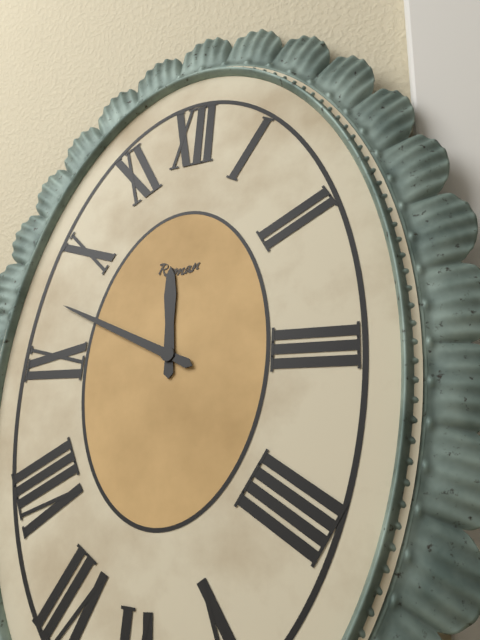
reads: 11,49
